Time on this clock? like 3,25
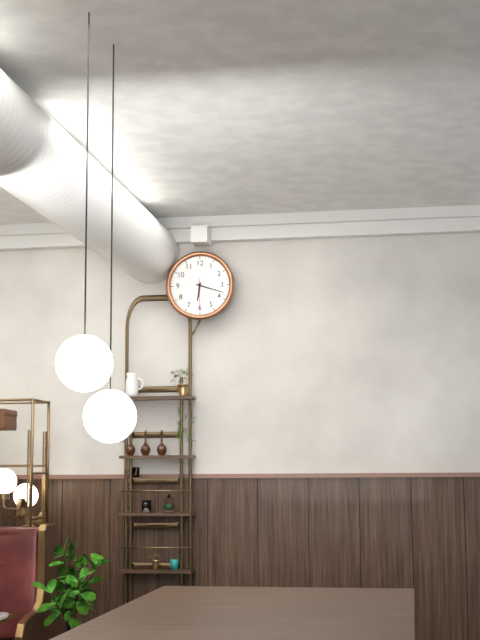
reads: 6,18
